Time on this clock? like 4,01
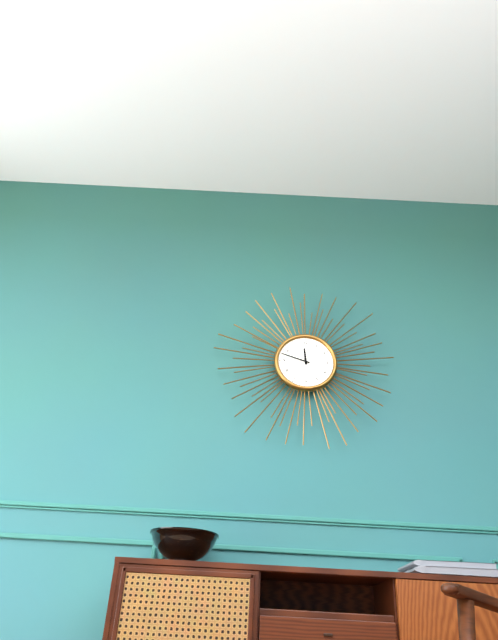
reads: 11,48
